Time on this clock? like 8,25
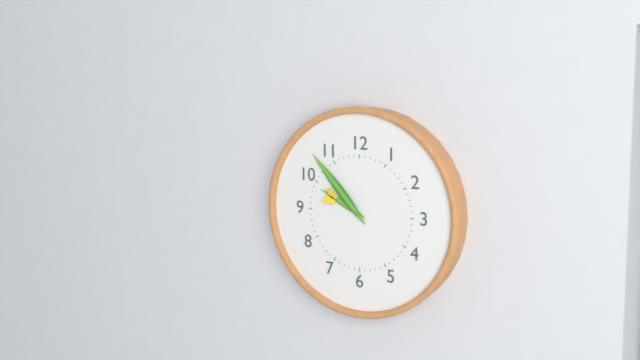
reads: 9,53
